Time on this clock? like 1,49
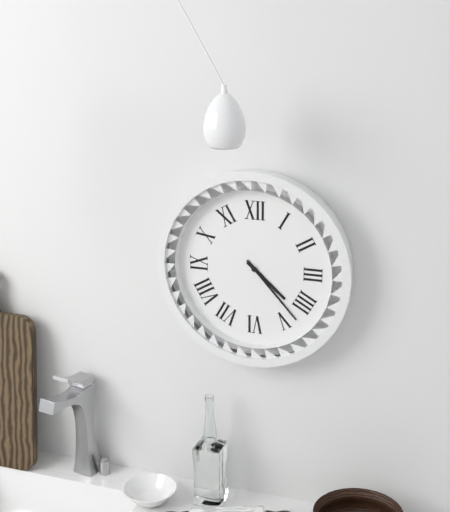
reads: 4,23
